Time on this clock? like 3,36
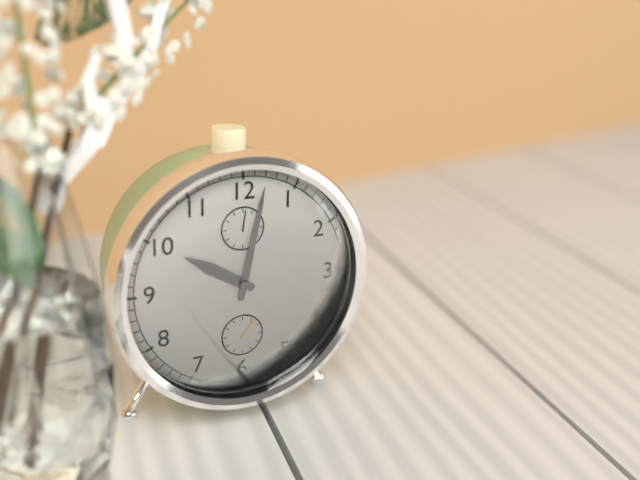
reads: 10,02
